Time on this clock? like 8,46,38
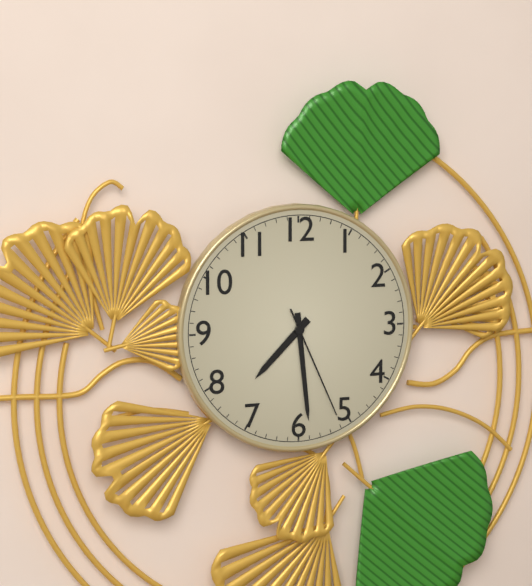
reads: 7,29,26
